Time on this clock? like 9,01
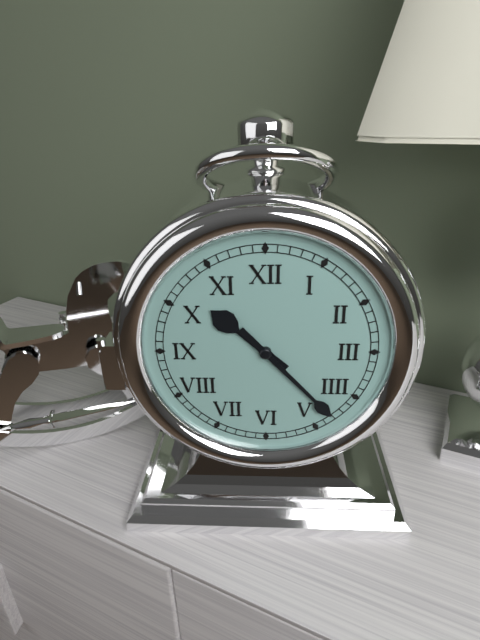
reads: 10,23
